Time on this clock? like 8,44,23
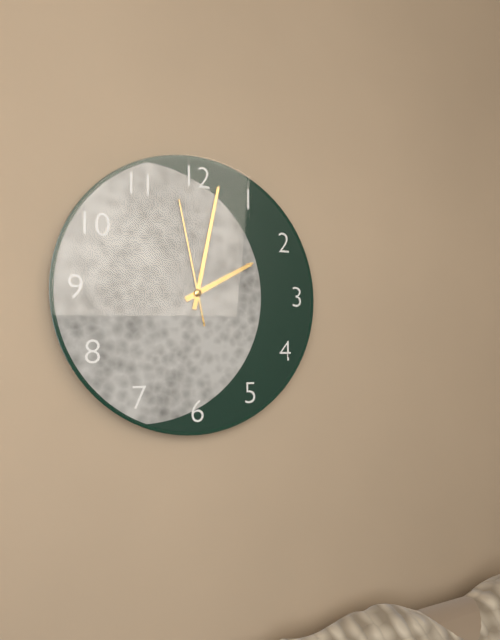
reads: 2,02,58
